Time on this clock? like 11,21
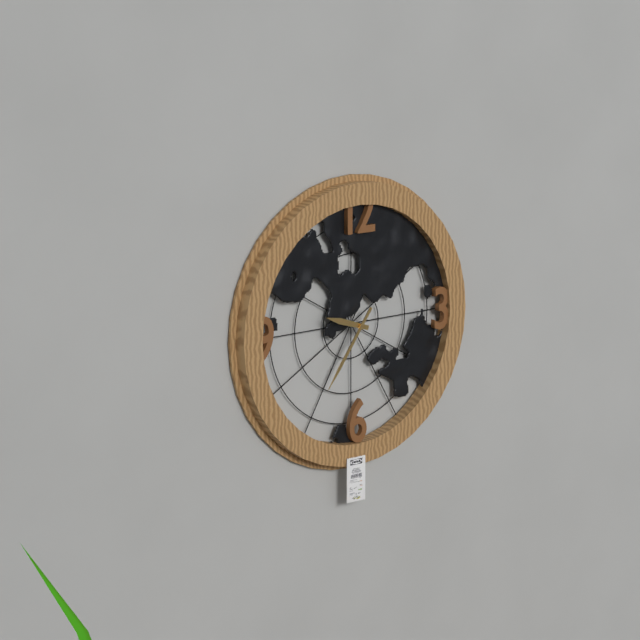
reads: 9,36
